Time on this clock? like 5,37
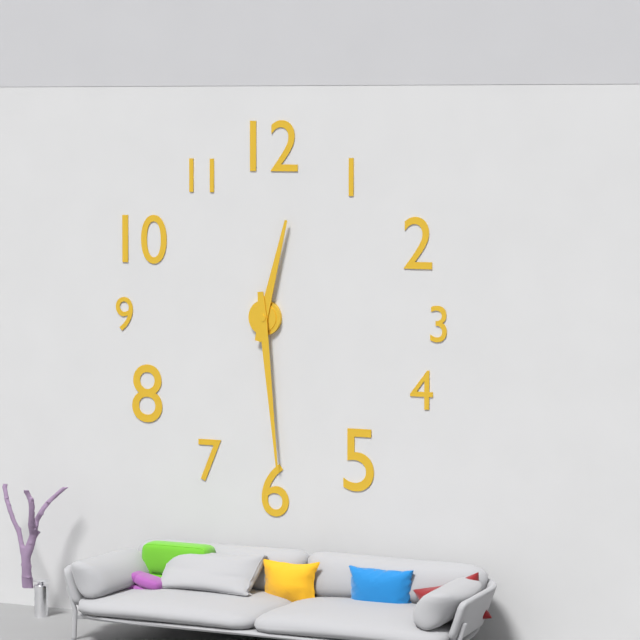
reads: 12,29
